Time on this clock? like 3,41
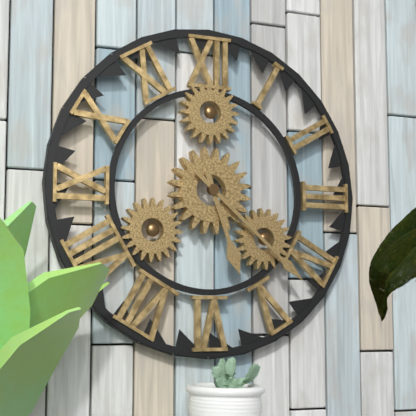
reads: 5,22
